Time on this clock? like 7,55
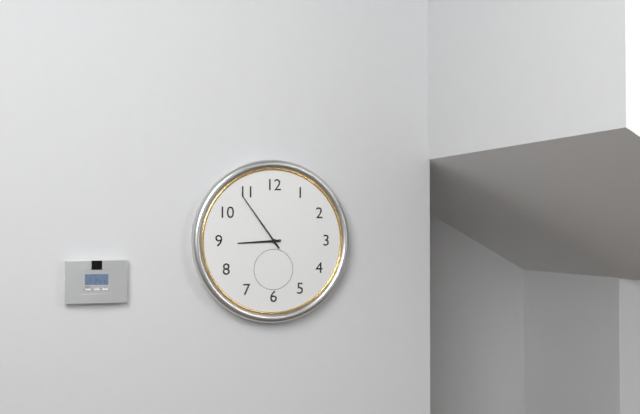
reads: 8,54
